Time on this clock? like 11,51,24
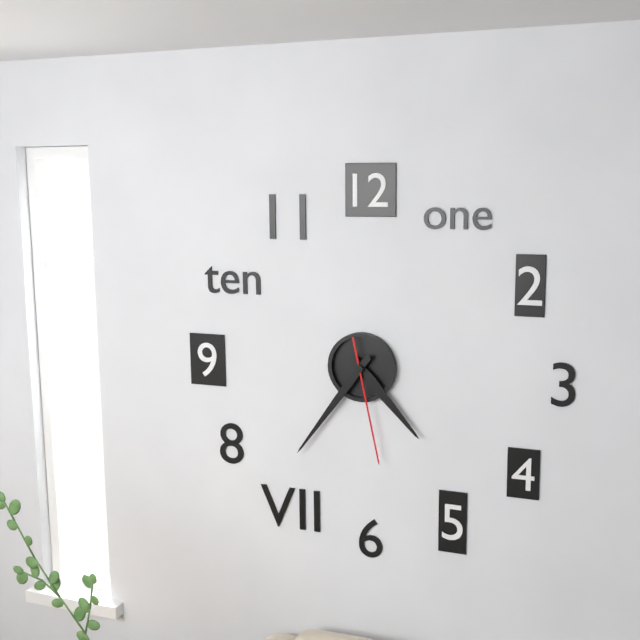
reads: 4,36,28
